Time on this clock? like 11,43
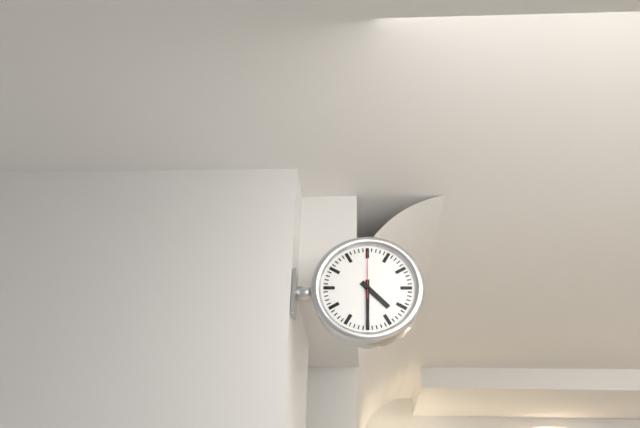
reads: 4,30
